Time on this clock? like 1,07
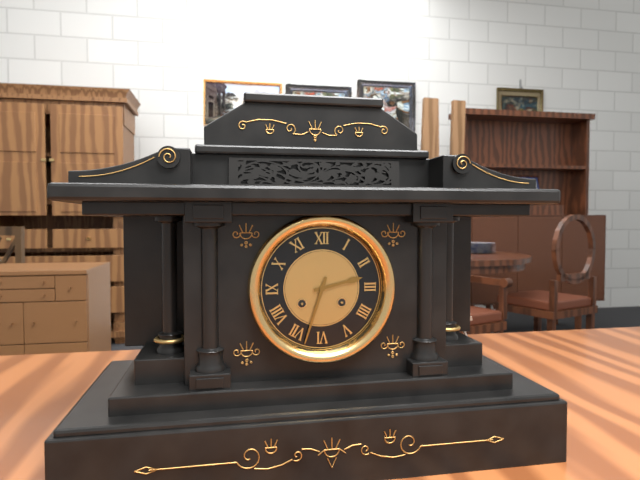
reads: 2,33
